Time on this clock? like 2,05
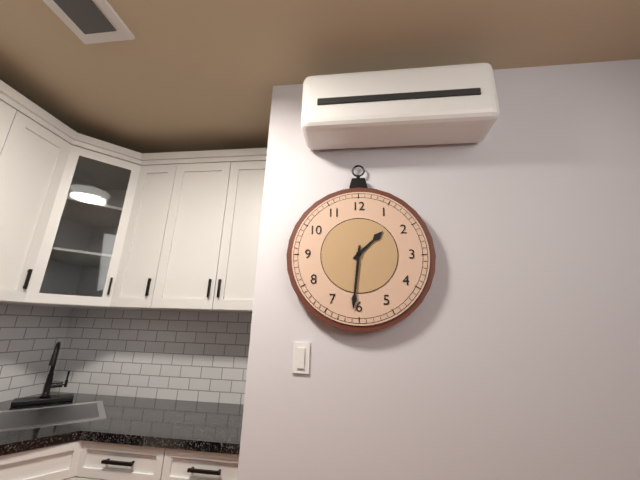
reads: 1,31
